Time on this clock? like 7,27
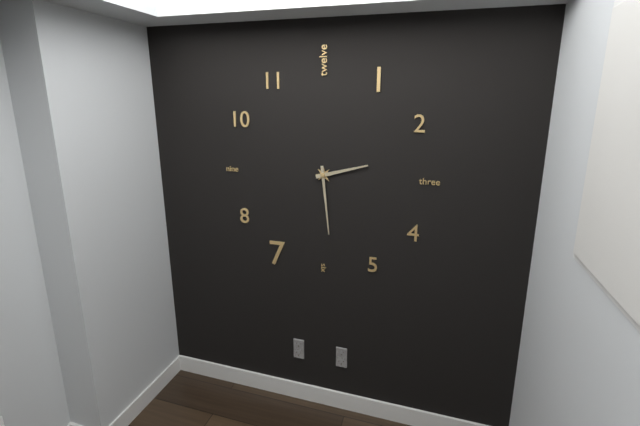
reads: 2,29
